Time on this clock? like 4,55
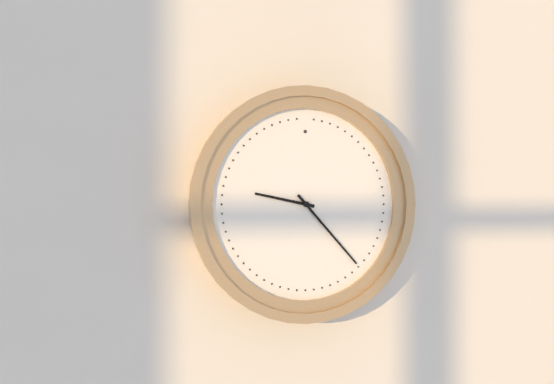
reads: 9,23
